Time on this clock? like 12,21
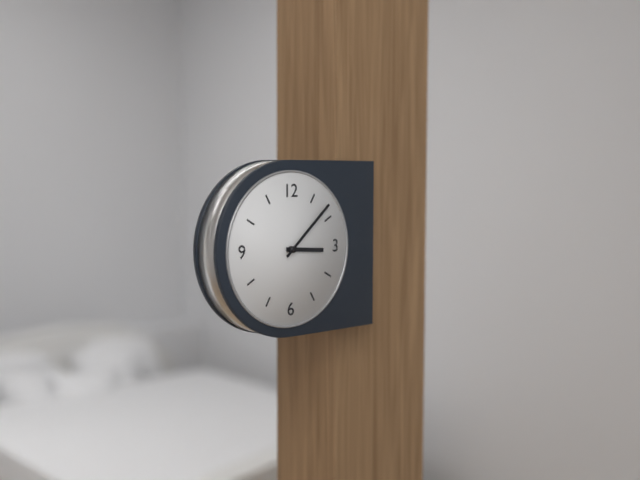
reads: 3,08
